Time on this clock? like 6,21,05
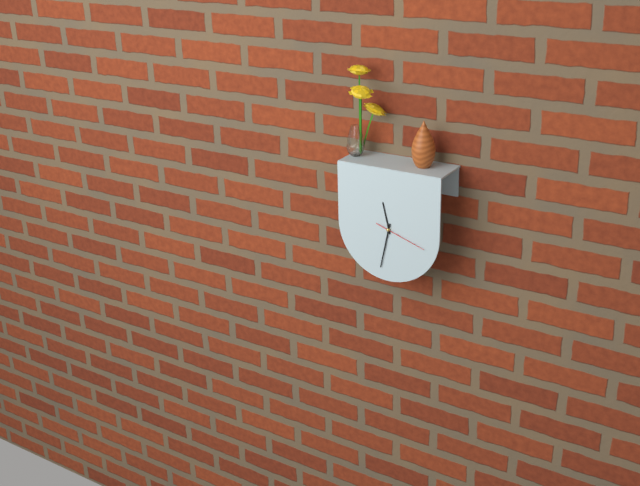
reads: 11,32,18
